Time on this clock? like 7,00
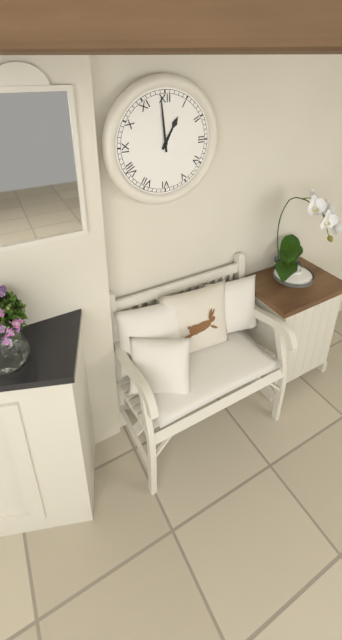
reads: 12,59
